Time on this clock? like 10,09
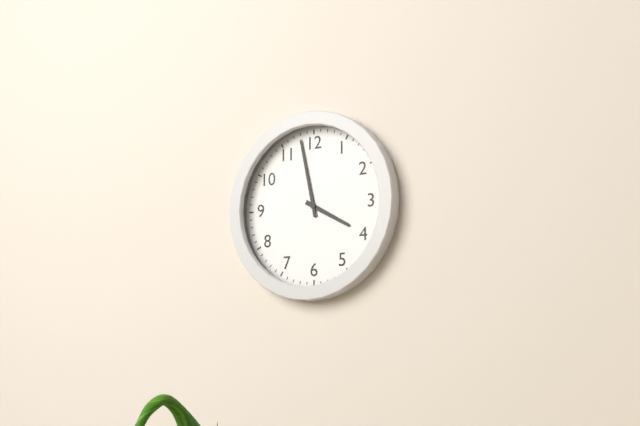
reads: 3,58
